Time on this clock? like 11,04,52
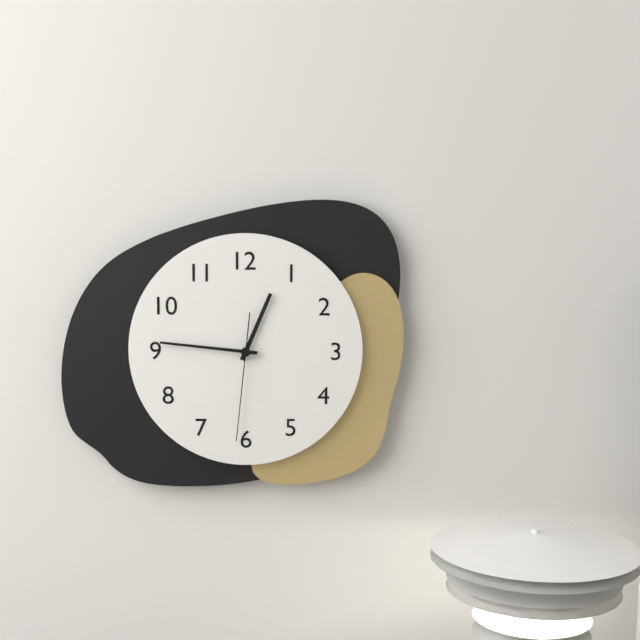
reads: 12,46,31
